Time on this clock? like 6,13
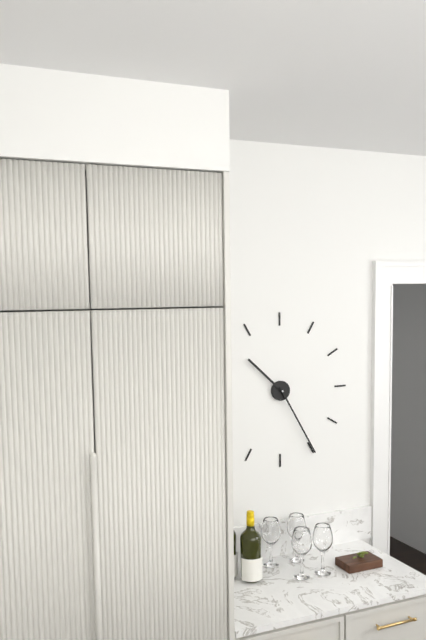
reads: 10,25
